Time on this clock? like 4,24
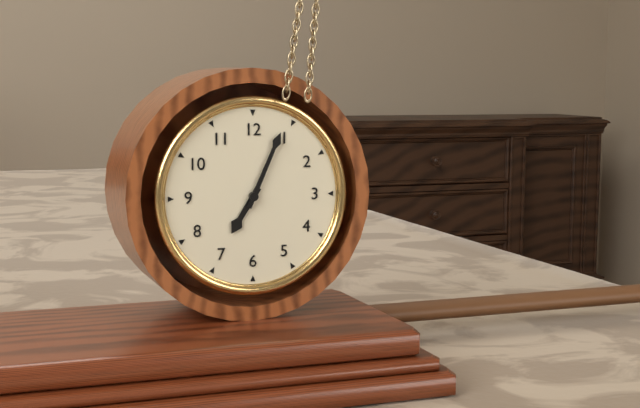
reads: 7,04
